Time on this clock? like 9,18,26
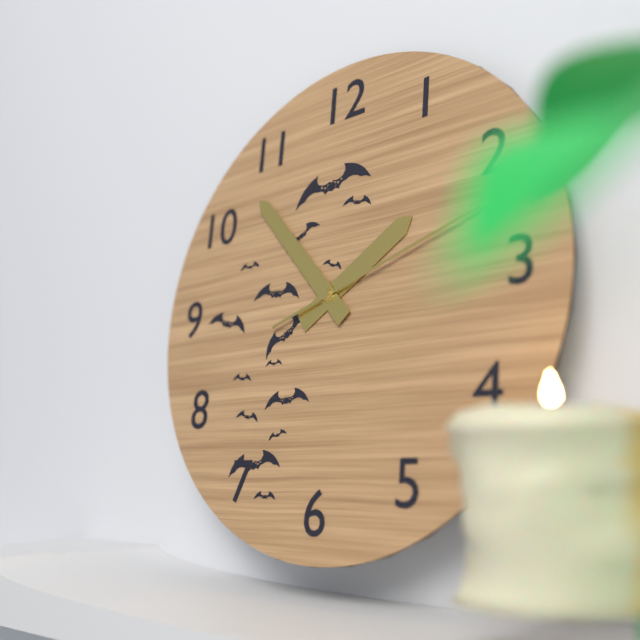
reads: 1,53,12
